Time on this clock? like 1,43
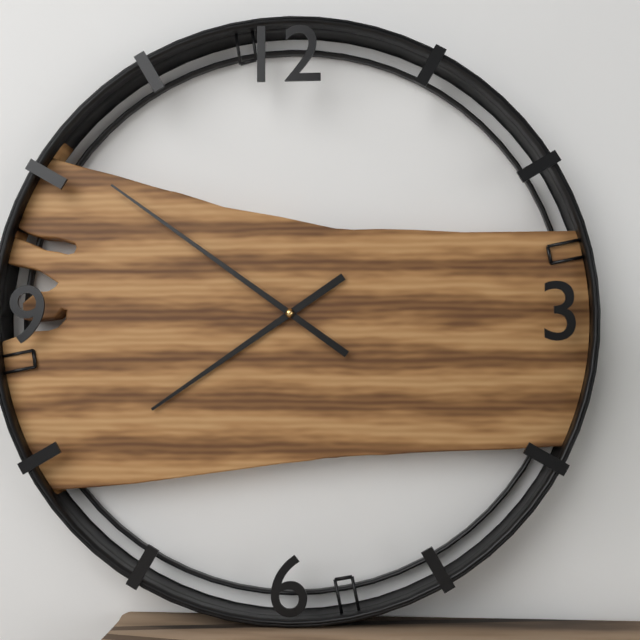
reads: 7,51
